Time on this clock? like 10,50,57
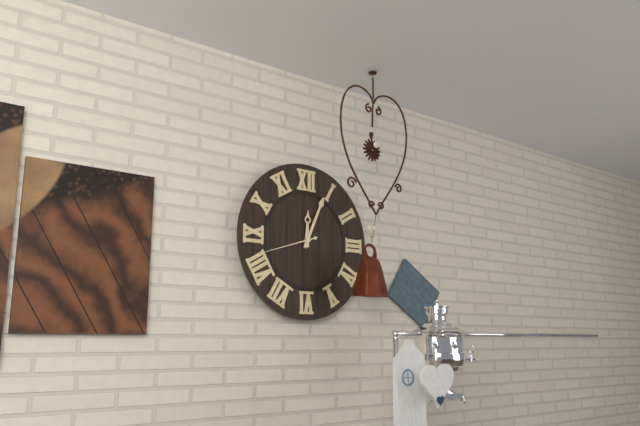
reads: 12,04,42
